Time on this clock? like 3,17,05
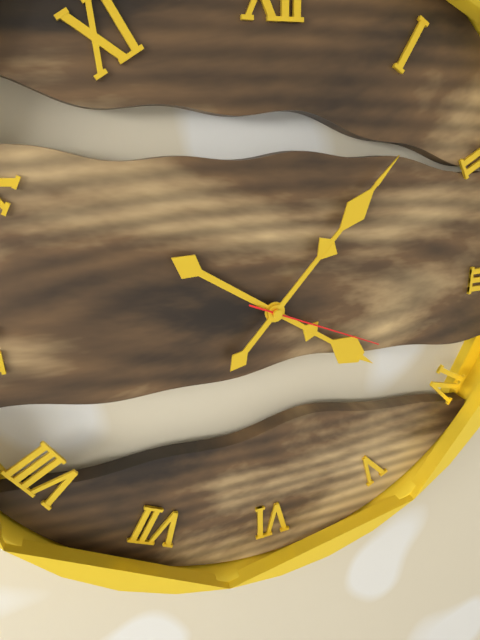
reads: 4,07,19
